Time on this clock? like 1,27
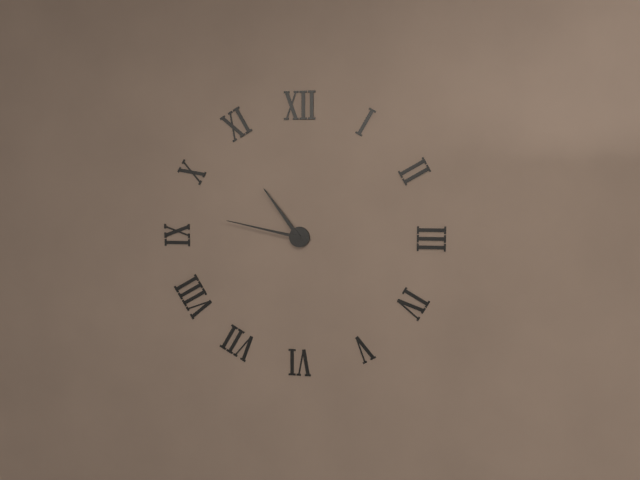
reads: 10,47
